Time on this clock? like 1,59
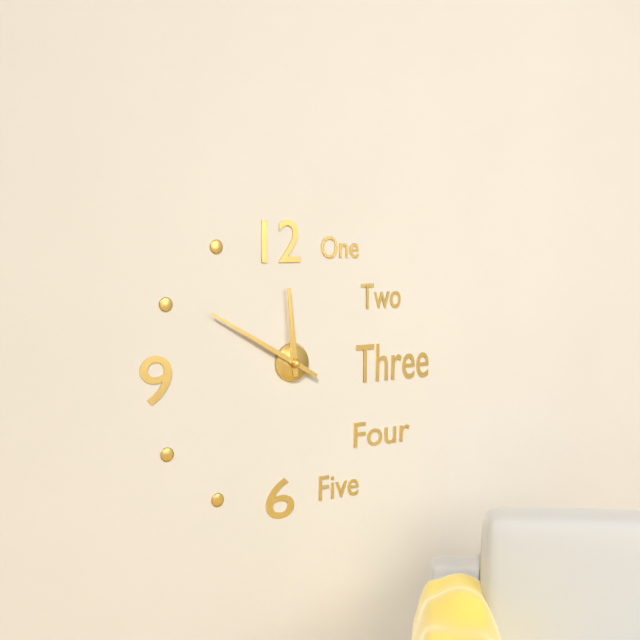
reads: 11,50
